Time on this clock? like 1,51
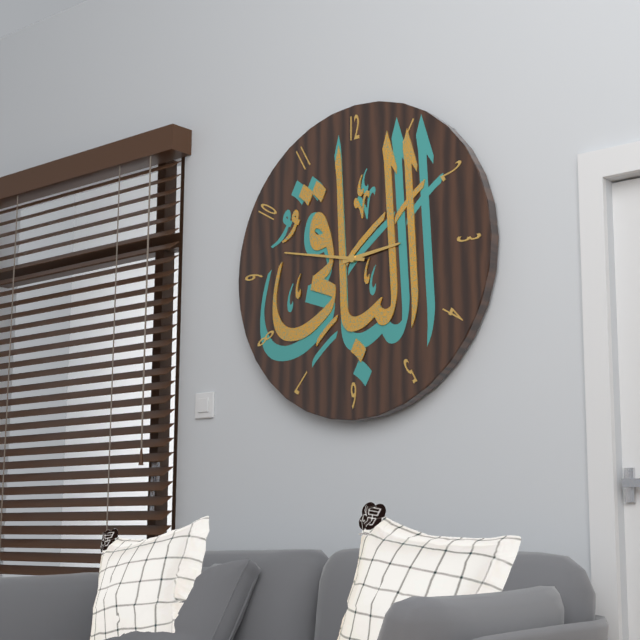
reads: 2,47
